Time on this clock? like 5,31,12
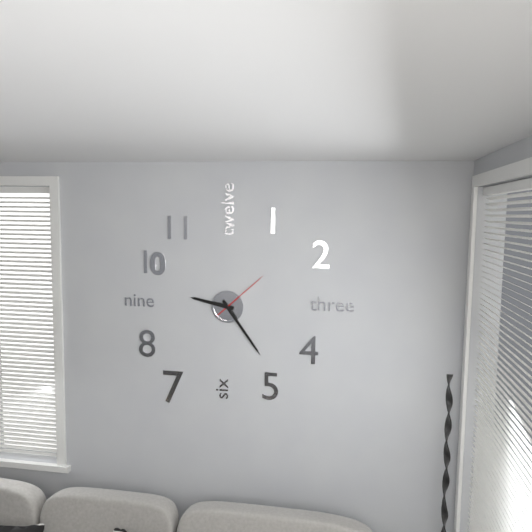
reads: 9,24,08
